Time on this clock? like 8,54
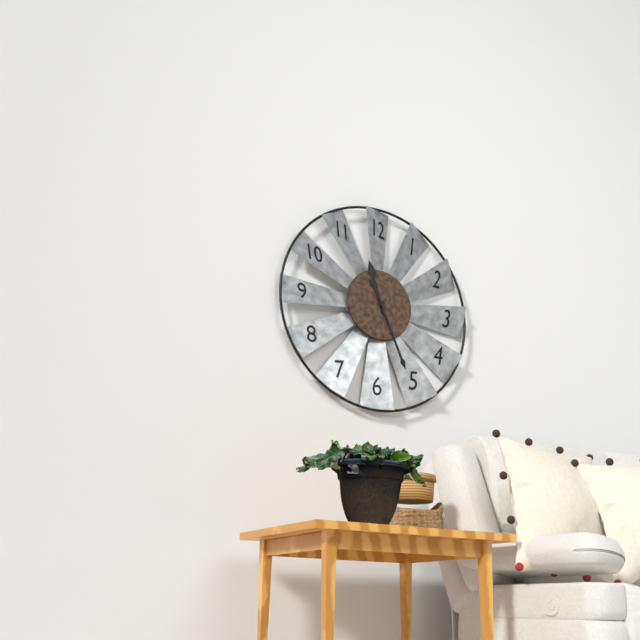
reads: 11,26
